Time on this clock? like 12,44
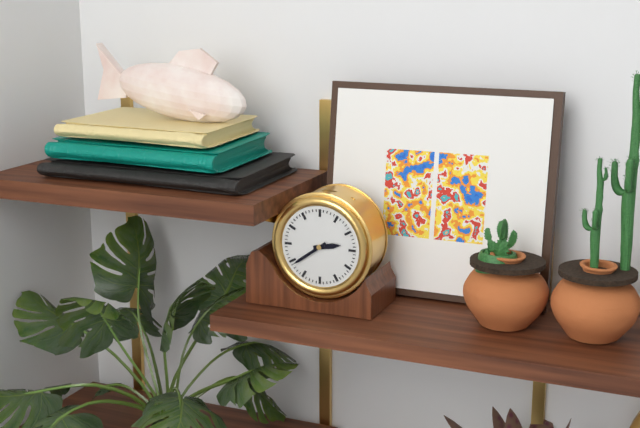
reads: 2,39
